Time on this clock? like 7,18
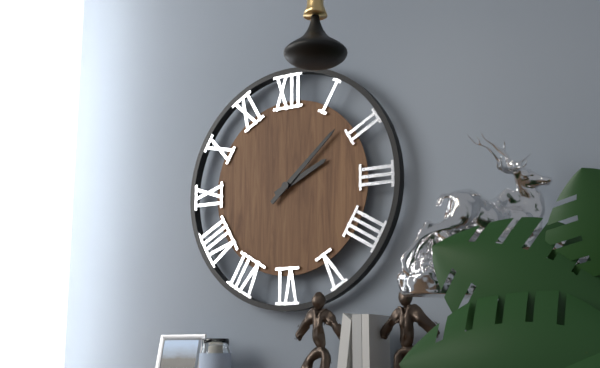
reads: 2,08
